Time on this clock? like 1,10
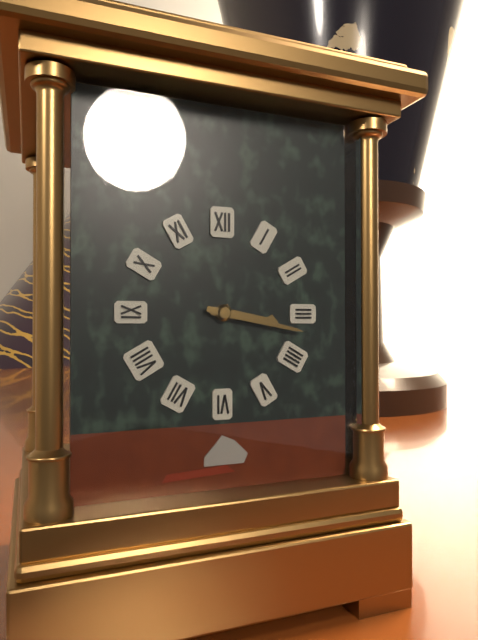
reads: 3,17
